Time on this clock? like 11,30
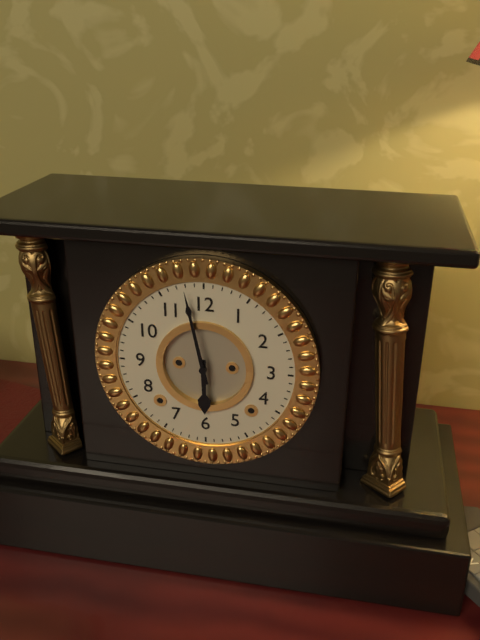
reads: 5,58
